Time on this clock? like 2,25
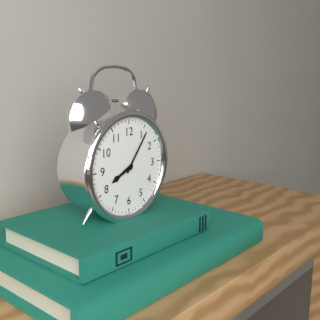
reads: 8,06
